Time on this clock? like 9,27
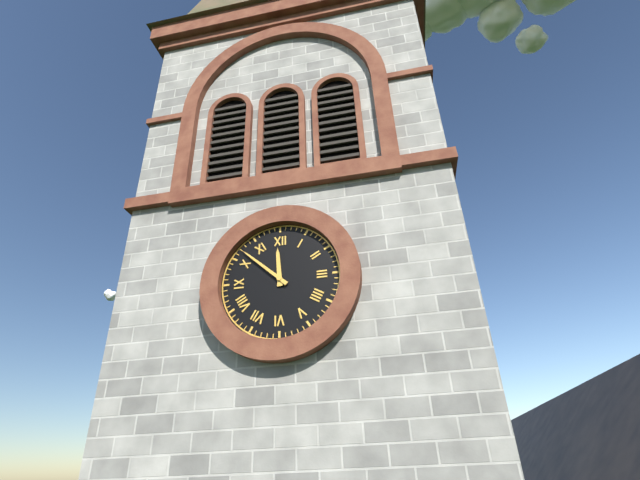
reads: 11,52
